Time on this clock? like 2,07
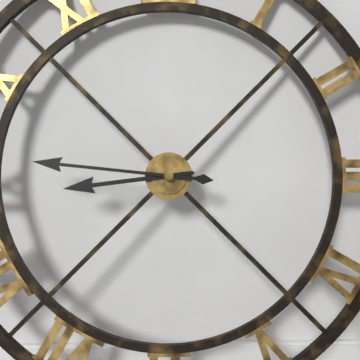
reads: 8,46
